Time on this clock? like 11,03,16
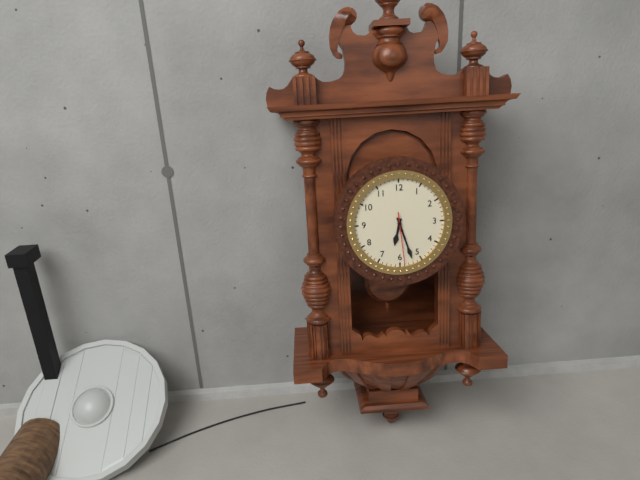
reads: 6,27,29
